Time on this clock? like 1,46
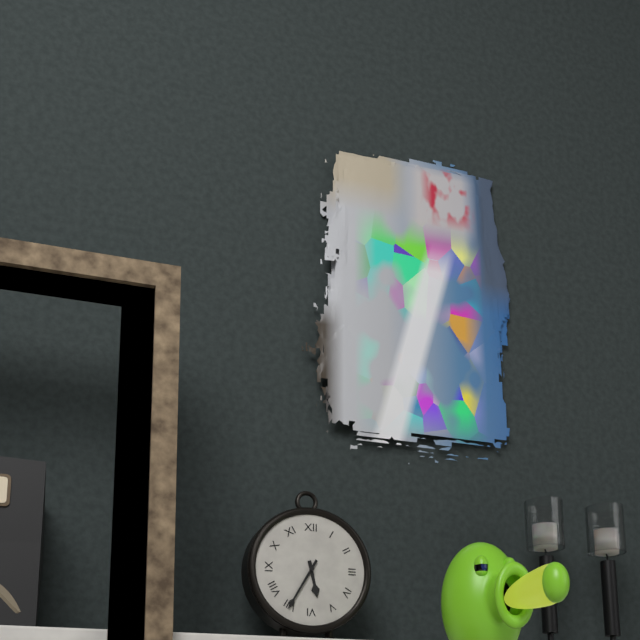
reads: 5,35
